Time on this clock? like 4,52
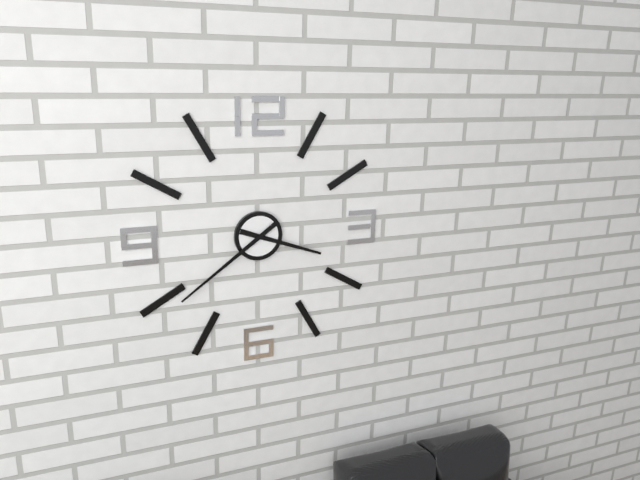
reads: 3,39
